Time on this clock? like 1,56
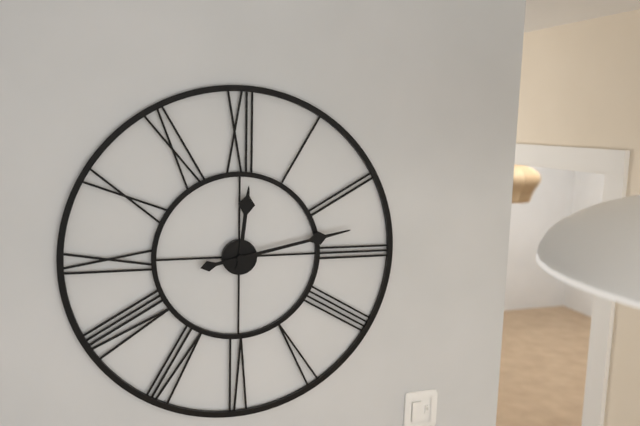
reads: 12,13
